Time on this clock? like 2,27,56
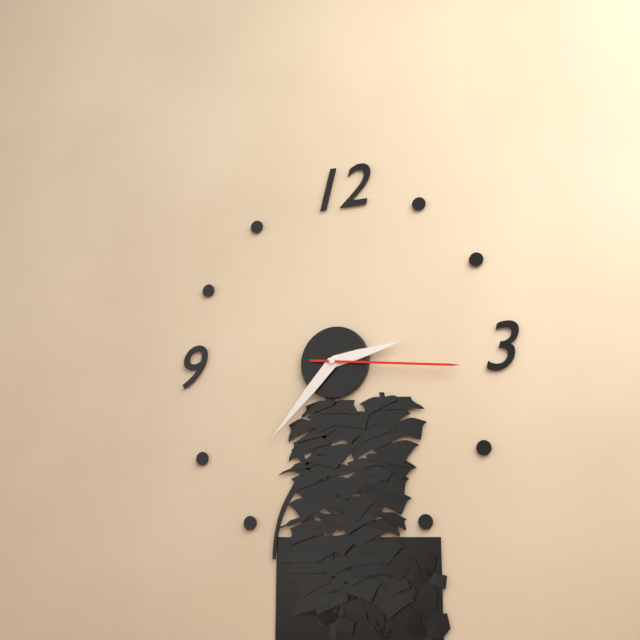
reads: 2,37,16
